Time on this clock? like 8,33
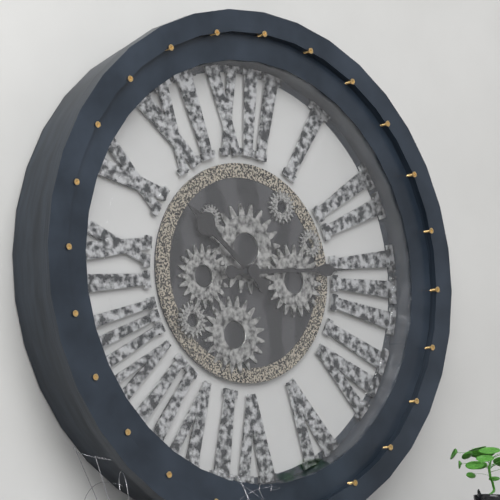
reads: 10,14
